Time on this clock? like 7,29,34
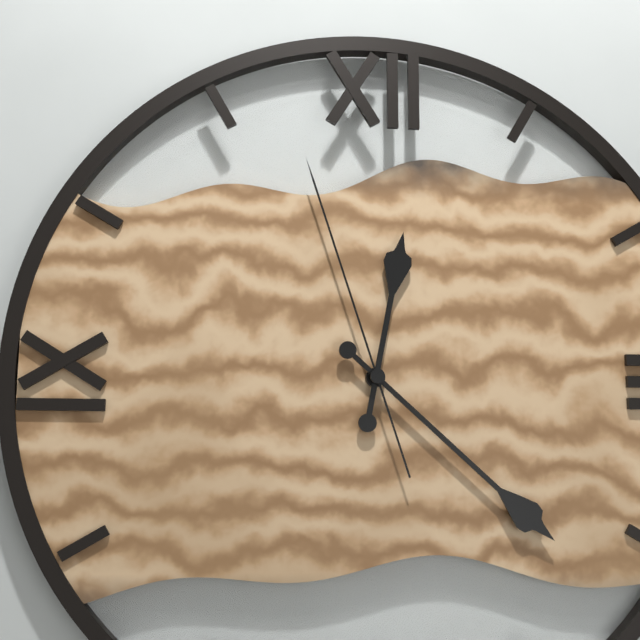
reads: 12,22,57
